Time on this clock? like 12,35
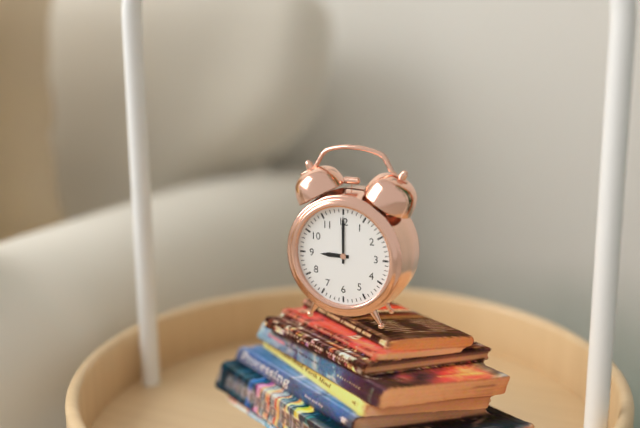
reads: 9,00
